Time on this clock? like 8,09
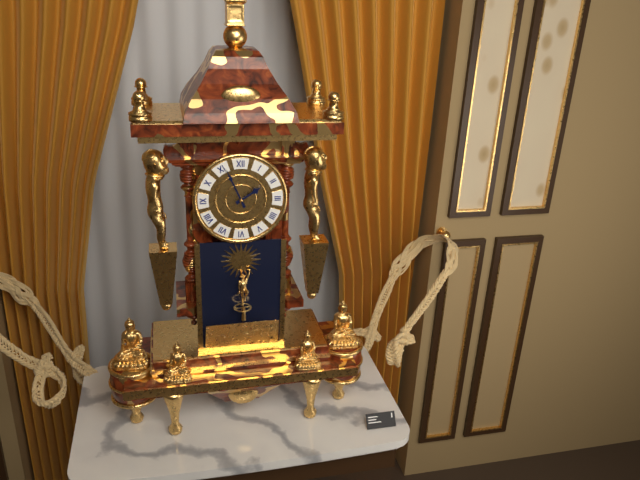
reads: 1,56
